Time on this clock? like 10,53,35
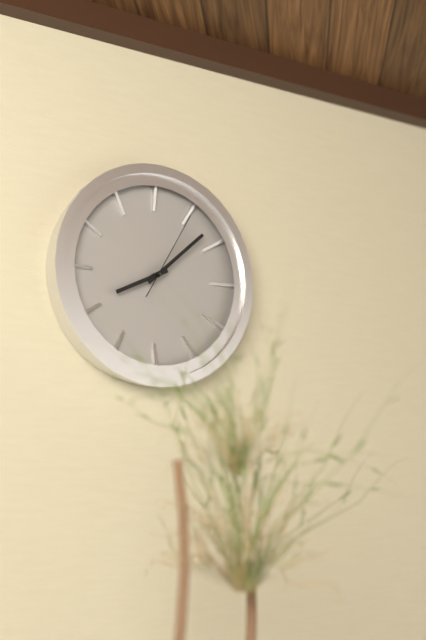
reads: 8,08,05
